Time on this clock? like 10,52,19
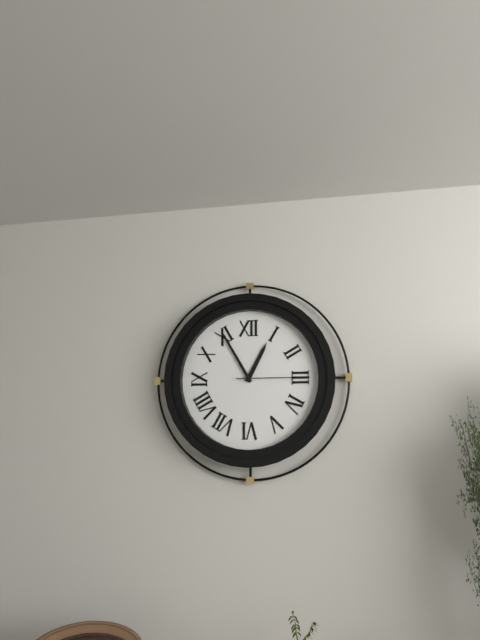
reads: 12,55,15
